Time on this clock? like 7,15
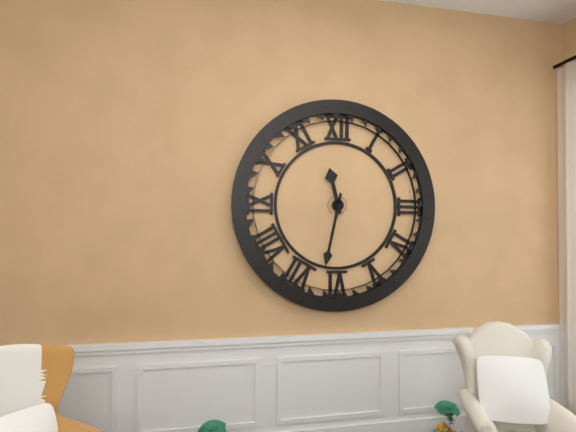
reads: 11,32
